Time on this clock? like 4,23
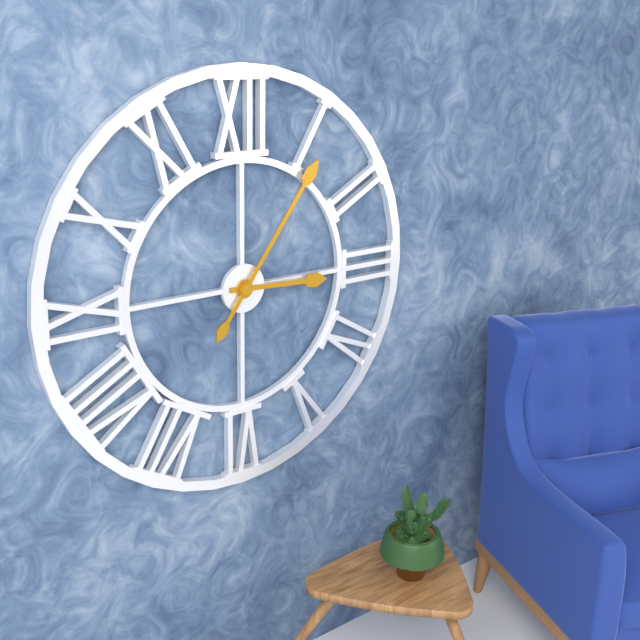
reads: 3,06
